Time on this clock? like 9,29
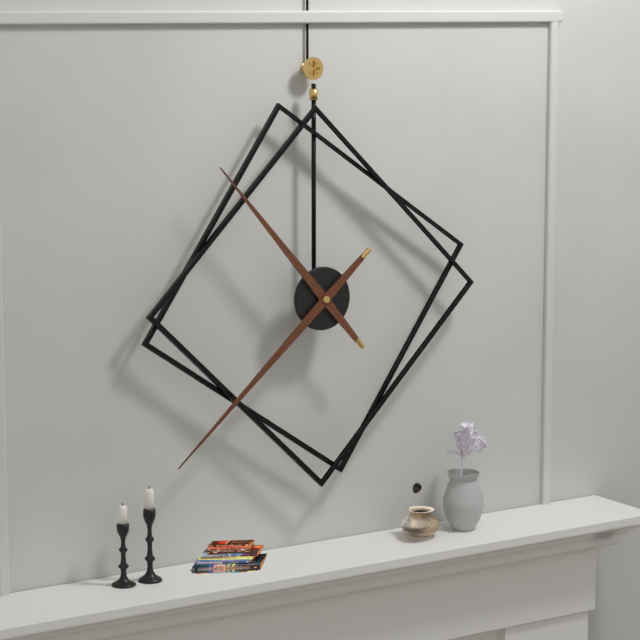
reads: 10,38
